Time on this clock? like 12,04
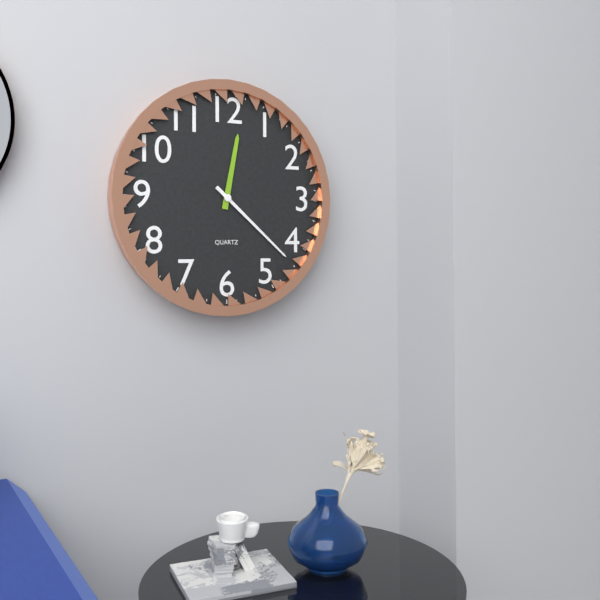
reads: 12,22
